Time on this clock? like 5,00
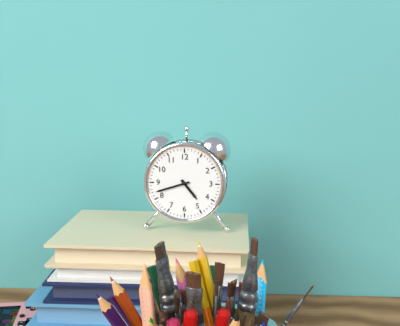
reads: 4,42
